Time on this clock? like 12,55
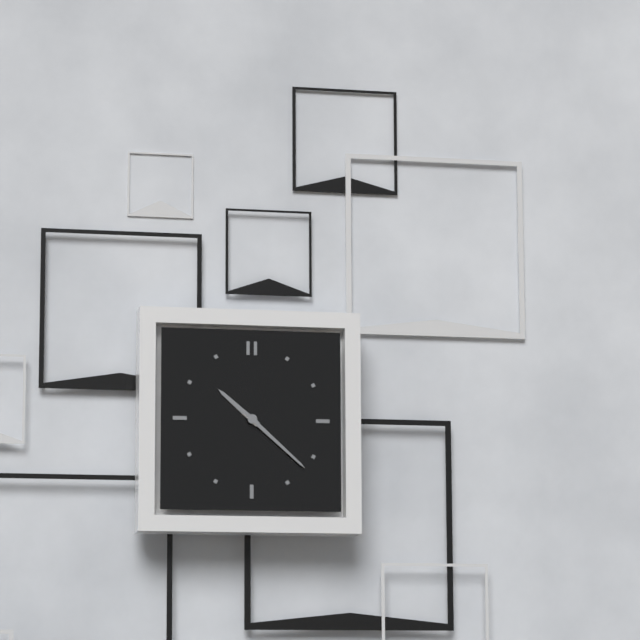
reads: 10,22
